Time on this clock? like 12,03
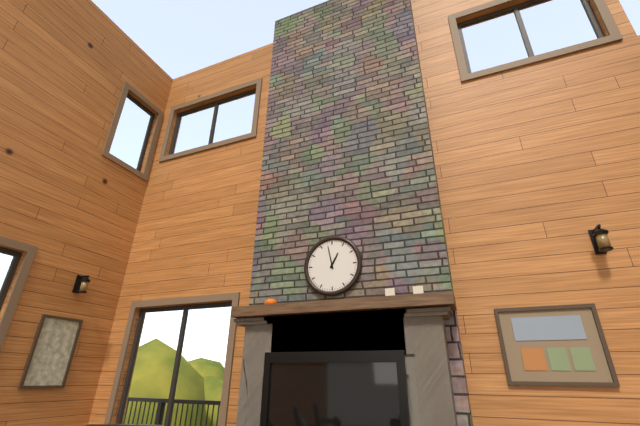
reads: 12,58
